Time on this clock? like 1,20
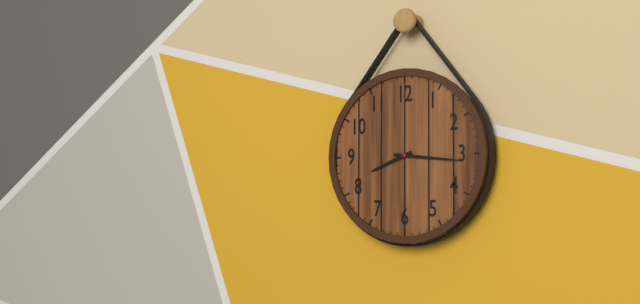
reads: 8,16
